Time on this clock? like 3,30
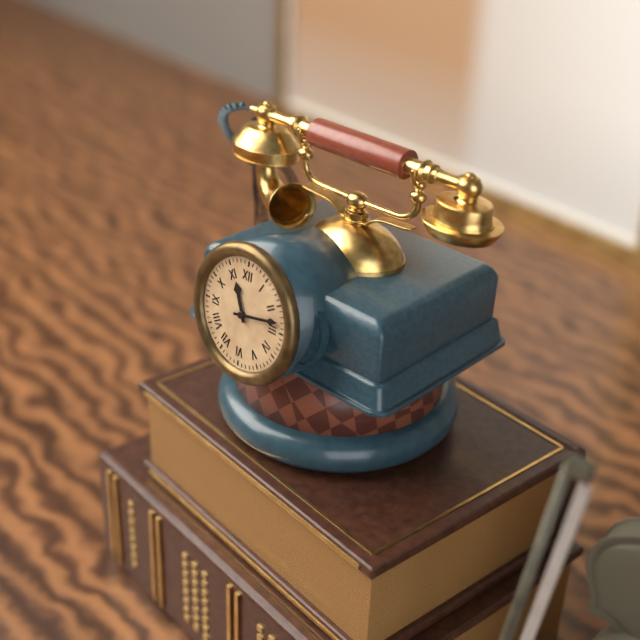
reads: 11,13
